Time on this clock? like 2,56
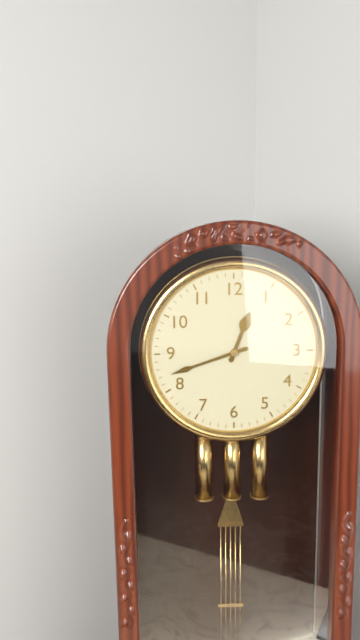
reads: 12,42
